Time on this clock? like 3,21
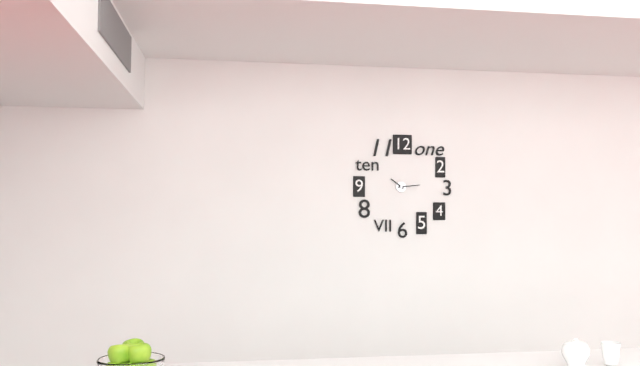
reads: 10,14
